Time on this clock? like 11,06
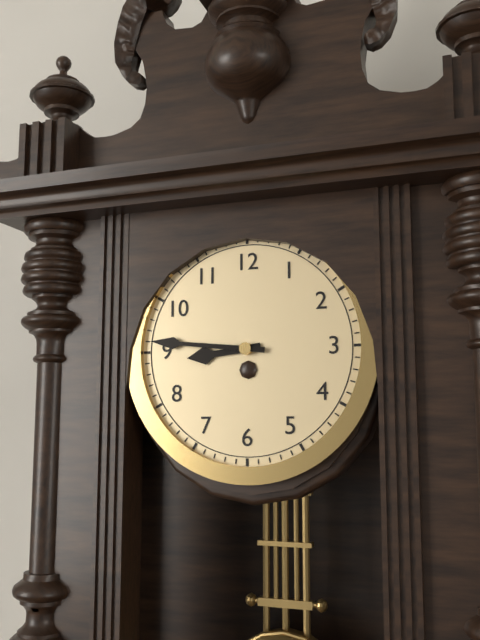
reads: 8,46
